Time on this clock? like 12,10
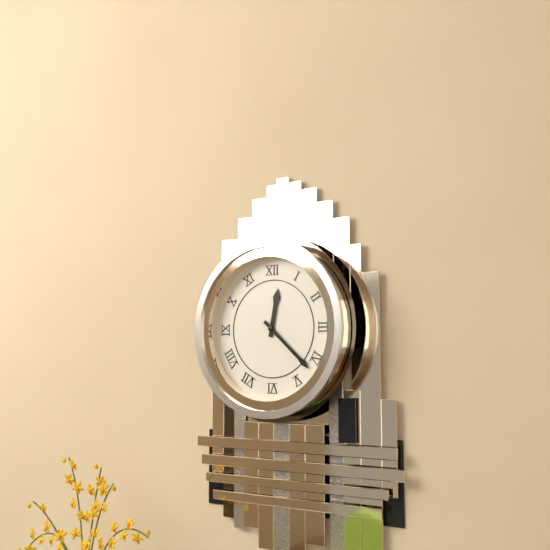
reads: 12,22
